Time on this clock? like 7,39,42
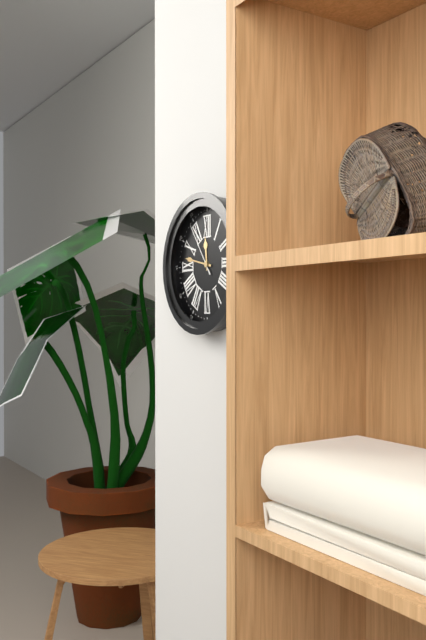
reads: 11,47,54
